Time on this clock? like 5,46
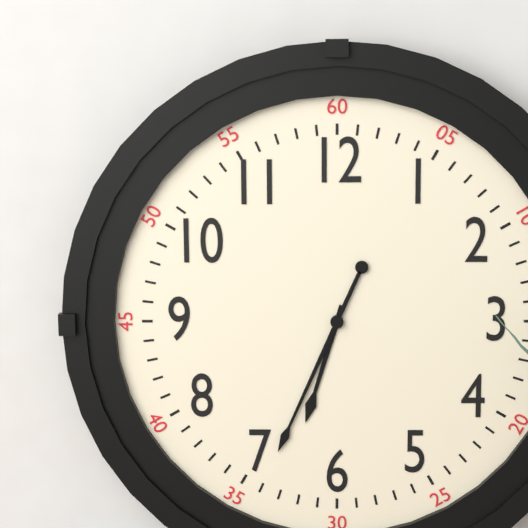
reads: 6,34
